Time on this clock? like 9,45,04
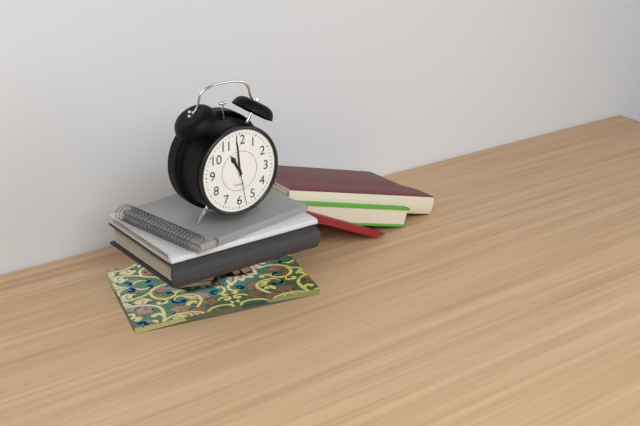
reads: 10,59,28
